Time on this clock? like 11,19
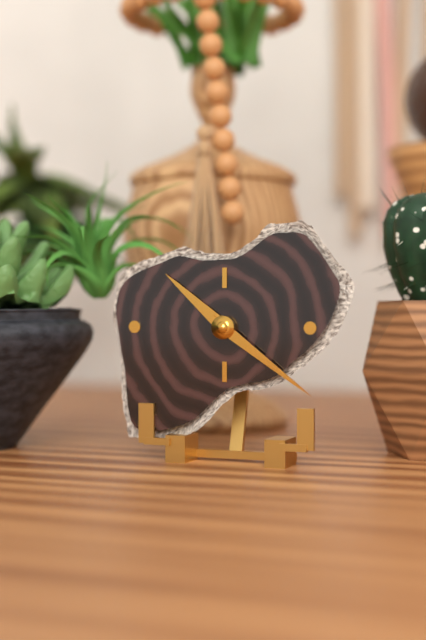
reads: 10,21
